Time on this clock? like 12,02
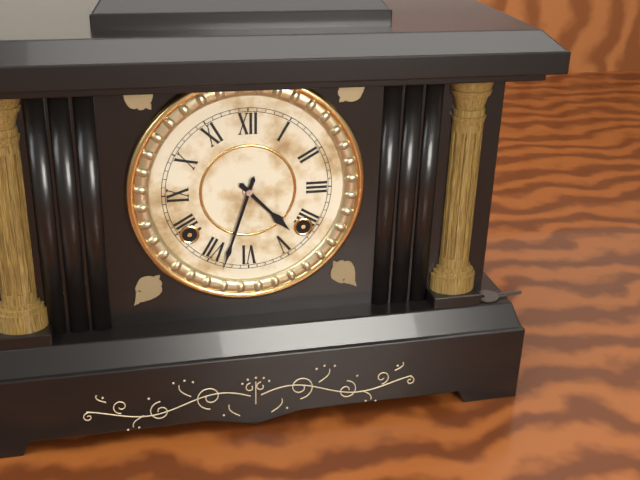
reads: 4,33
